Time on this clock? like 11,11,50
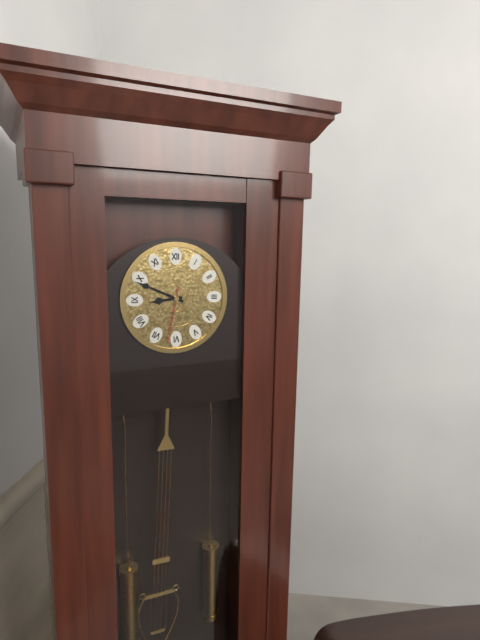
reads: 8,49,32
